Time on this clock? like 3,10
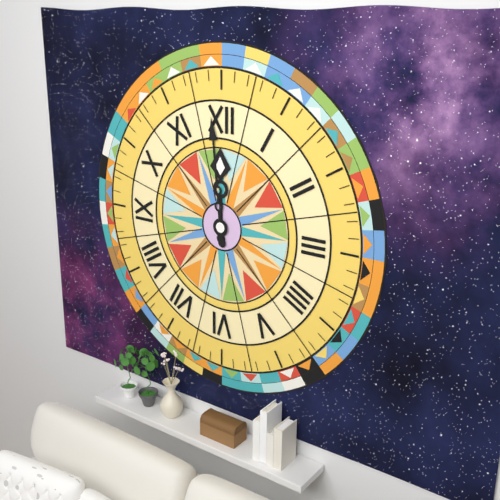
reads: 11,59
